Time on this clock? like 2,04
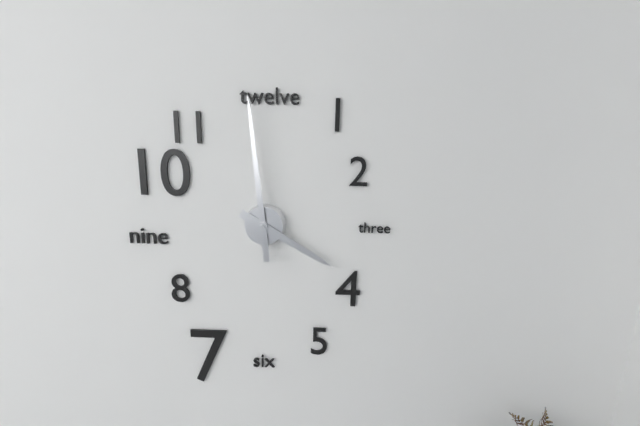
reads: 3,59
